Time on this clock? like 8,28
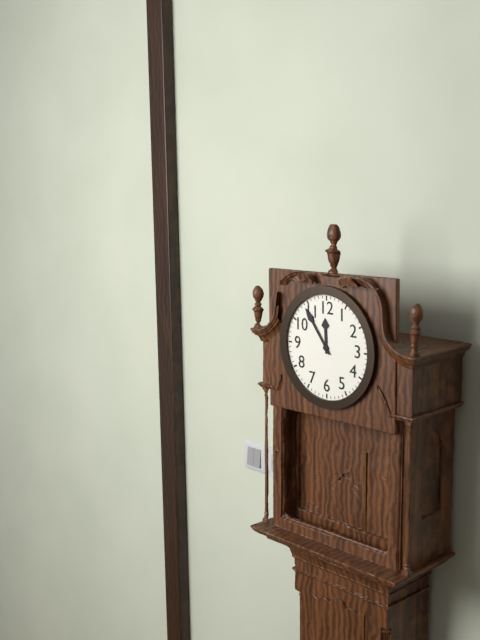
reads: 11,54
